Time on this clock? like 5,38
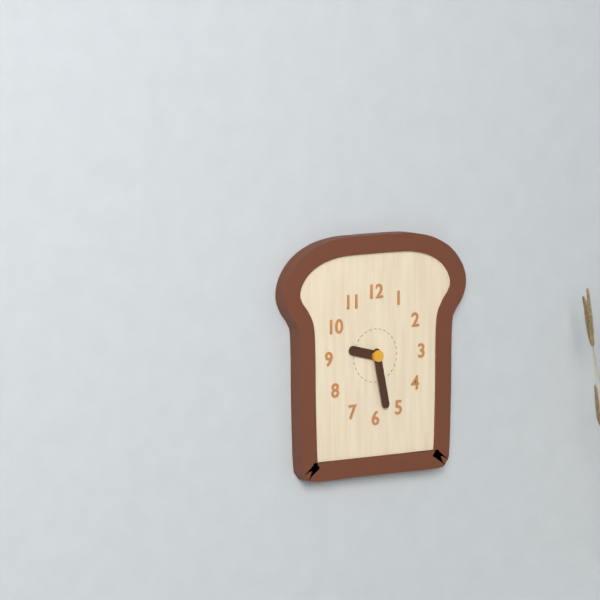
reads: 9,28
